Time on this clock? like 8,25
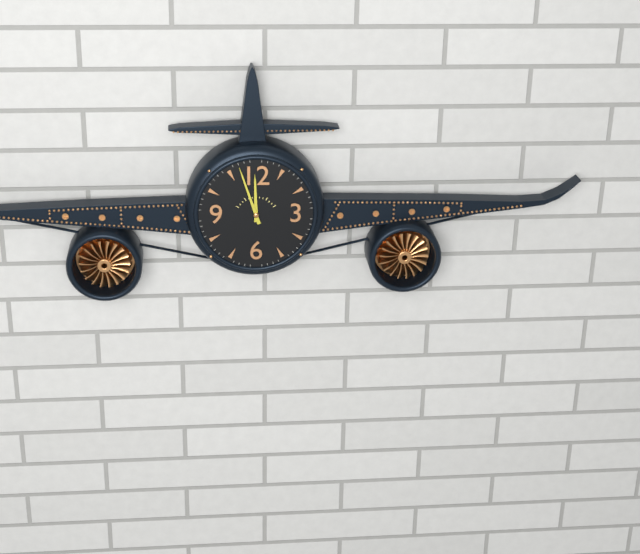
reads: 11,57
